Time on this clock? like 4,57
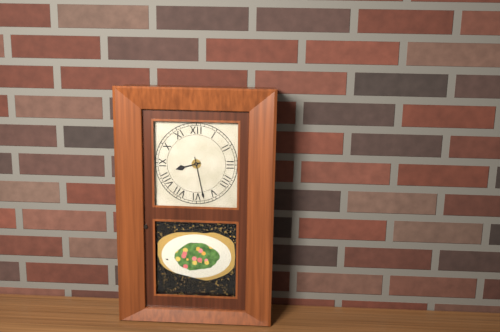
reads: 8,28
